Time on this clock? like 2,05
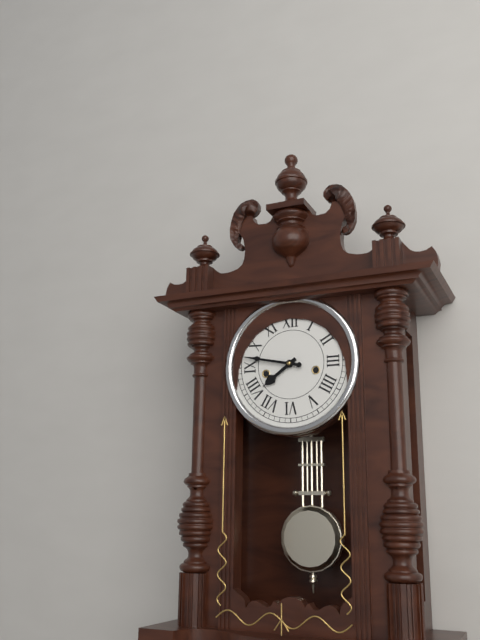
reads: 7,47
